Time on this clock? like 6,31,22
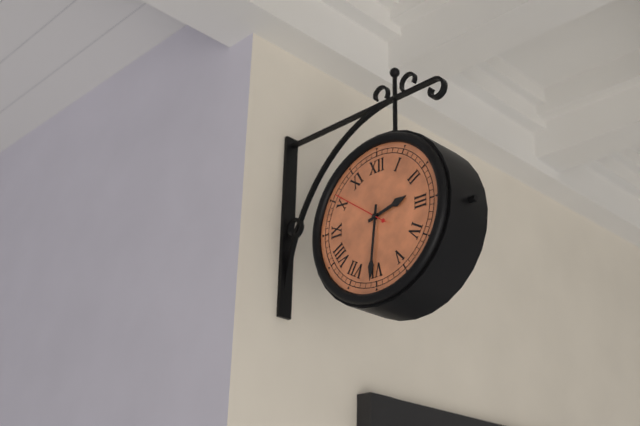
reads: 2,31,51
